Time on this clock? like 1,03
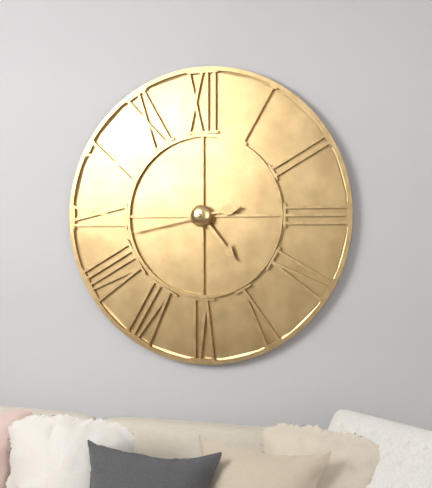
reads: 4,43
